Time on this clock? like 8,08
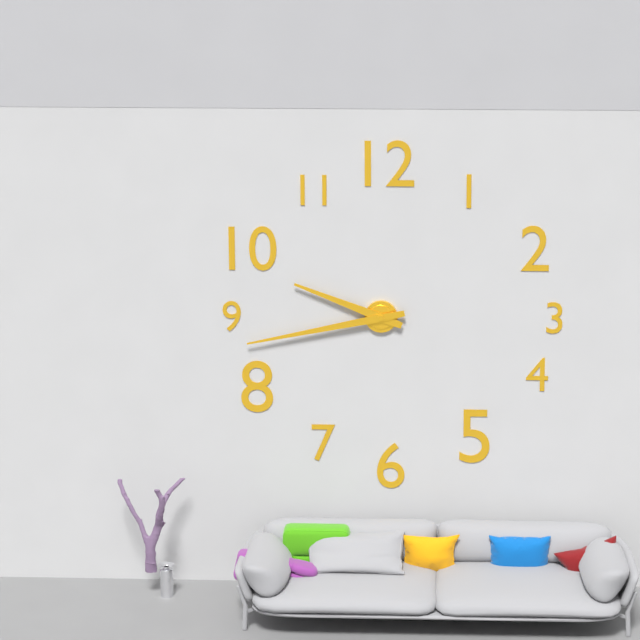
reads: 9,43
